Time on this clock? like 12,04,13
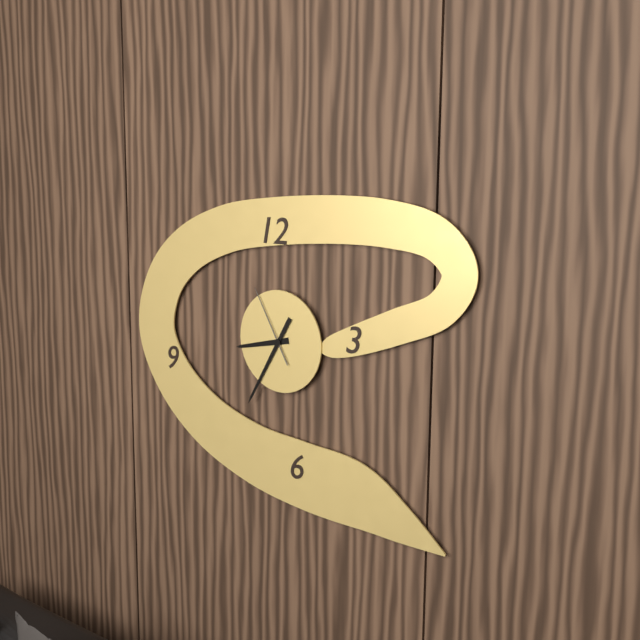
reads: 8,35,55
